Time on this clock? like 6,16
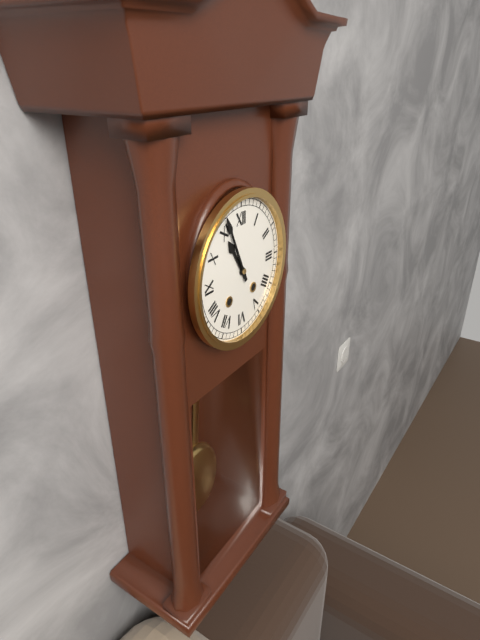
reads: 10,56
